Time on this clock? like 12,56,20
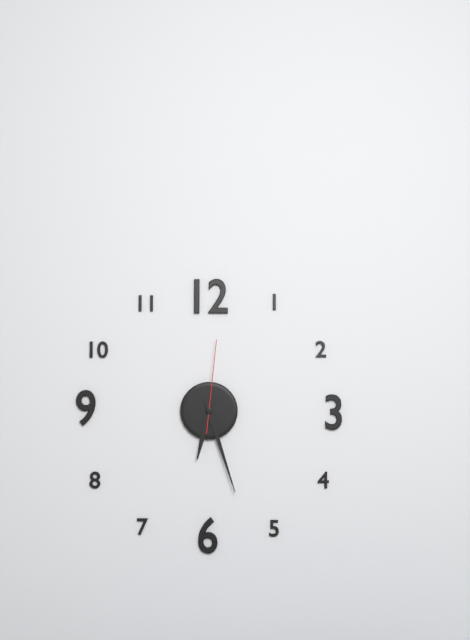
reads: 6,27,01
